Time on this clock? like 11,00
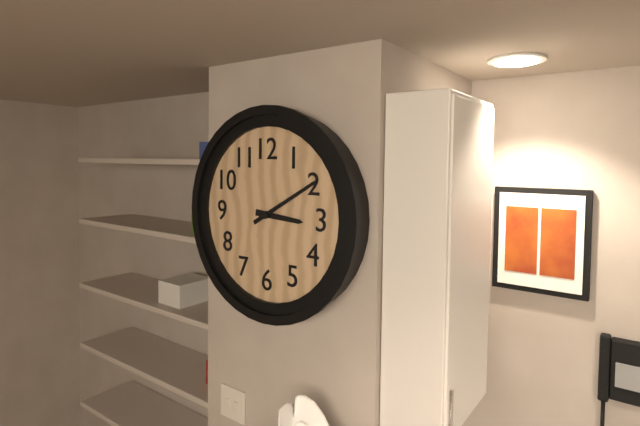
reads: 3,10
